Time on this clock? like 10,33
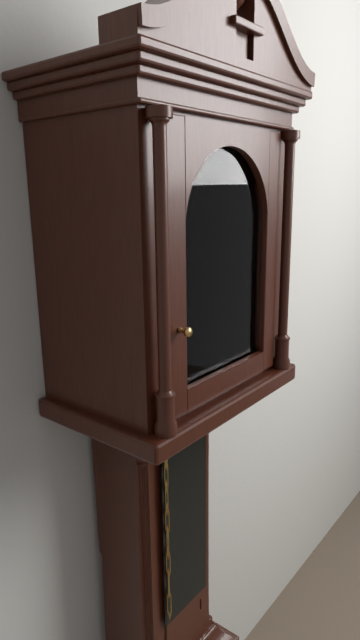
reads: 9,13
